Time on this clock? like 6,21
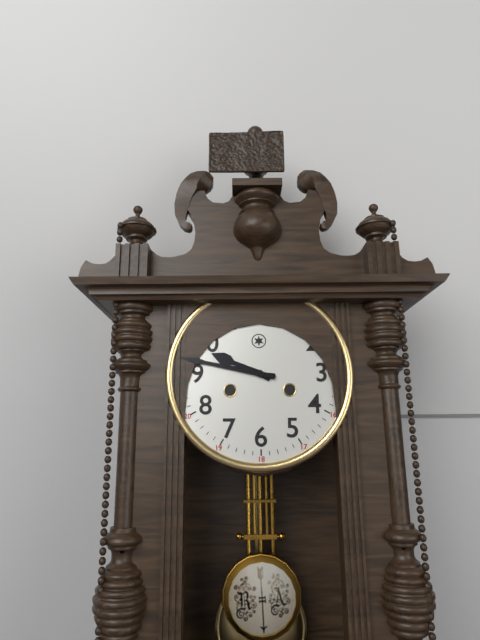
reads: 9,47
